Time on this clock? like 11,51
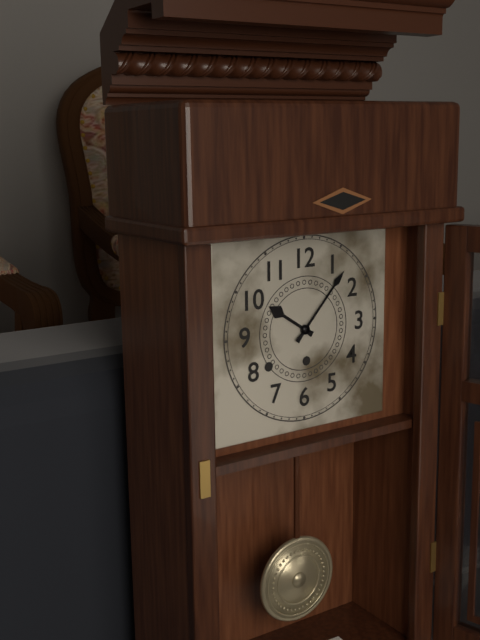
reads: 10,07
